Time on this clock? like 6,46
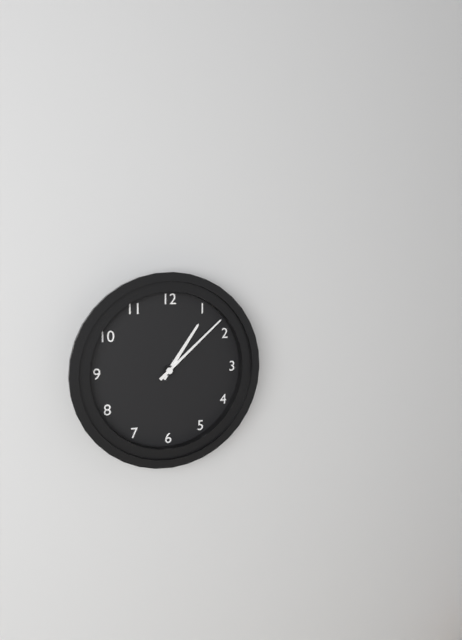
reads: 1,08
